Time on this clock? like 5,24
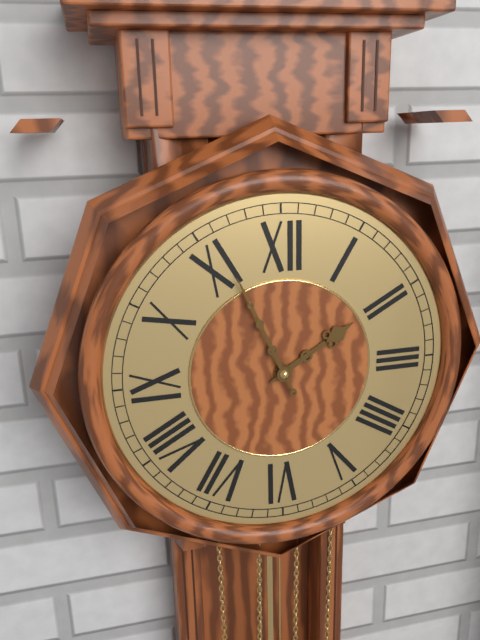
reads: 1,56
